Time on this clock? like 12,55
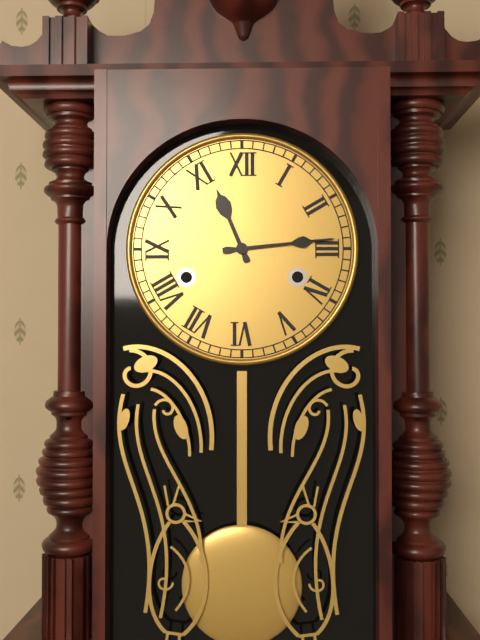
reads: 11,14
